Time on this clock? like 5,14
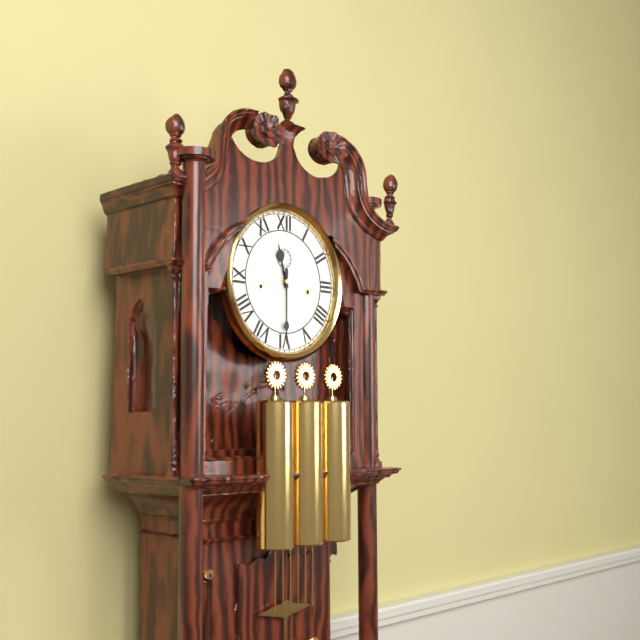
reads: 11,30
